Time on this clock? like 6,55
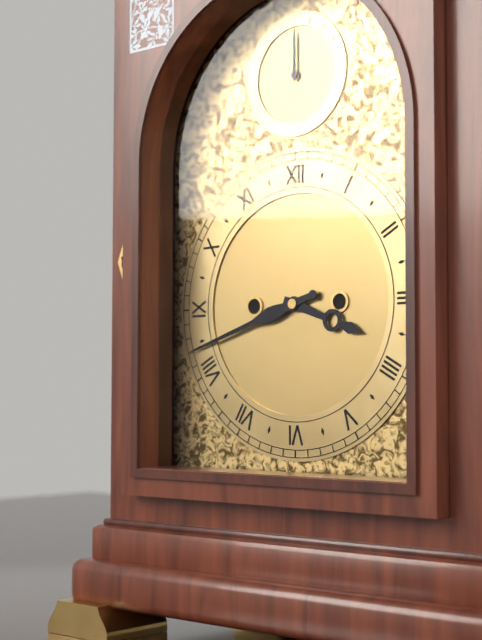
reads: 3,42
